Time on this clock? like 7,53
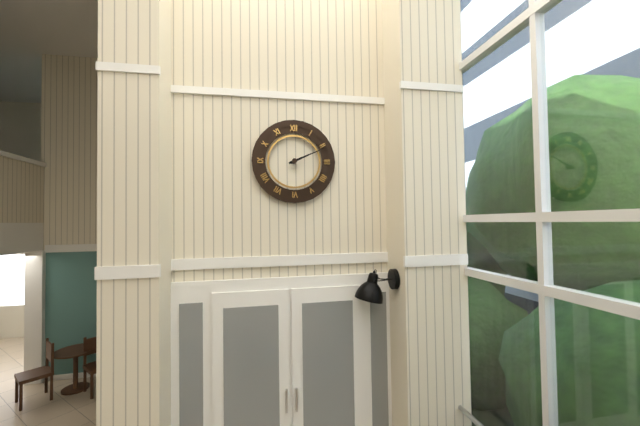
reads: 2,11
